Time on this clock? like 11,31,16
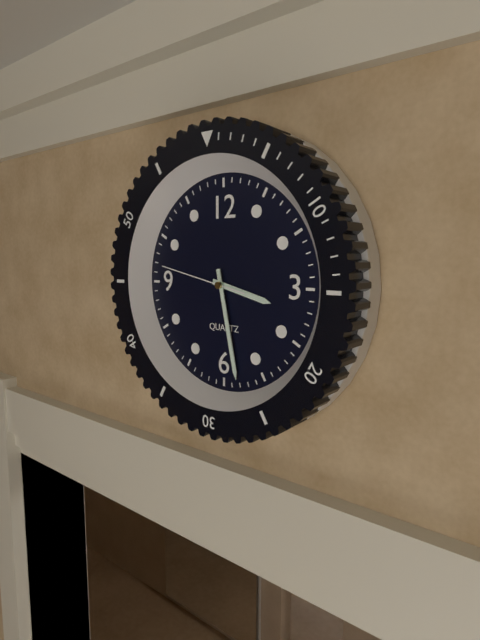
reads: 3,28,47
